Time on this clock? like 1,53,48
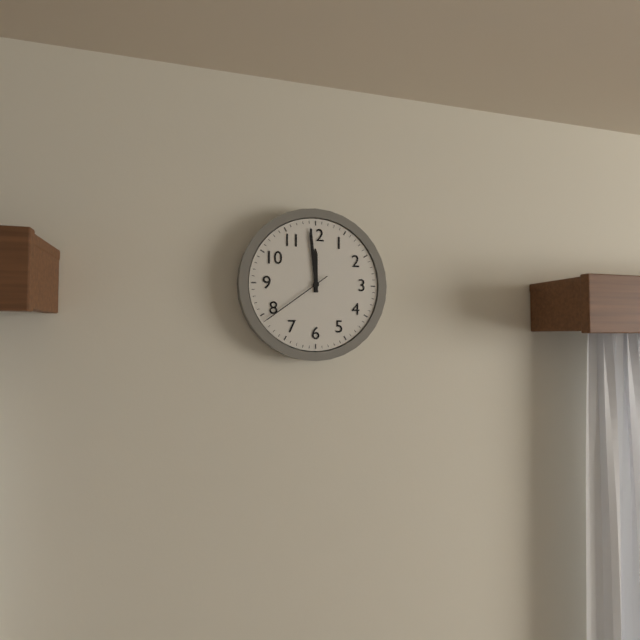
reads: 11,59,39
